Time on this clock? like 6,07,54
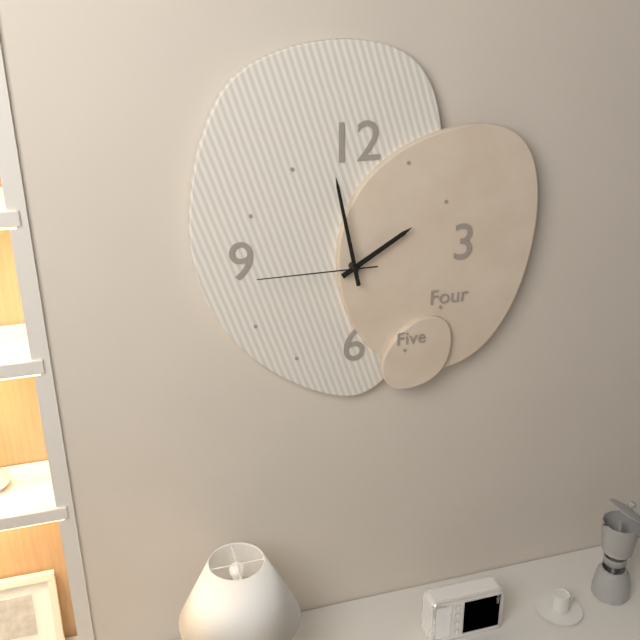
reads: 1,58,45
